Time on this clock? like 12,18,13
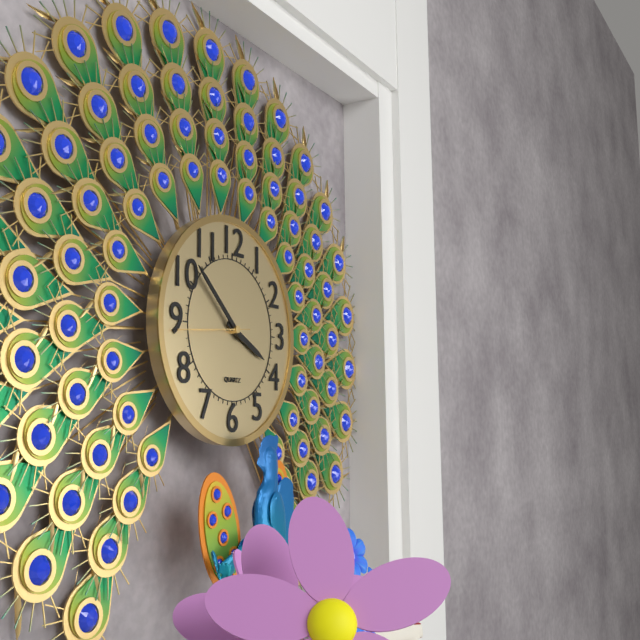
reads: 3,52,44
